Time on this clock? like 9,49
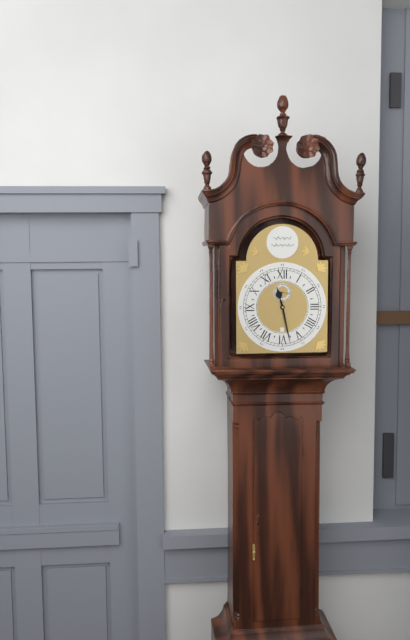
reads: 11,28
